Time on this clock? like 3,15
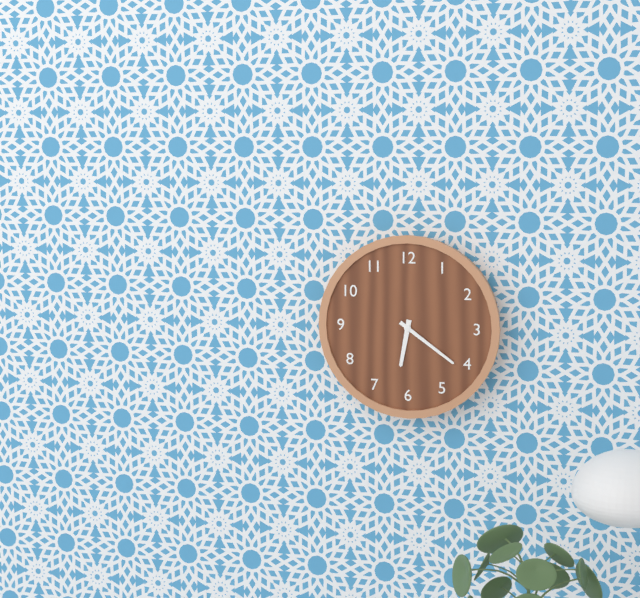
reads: 6,21
